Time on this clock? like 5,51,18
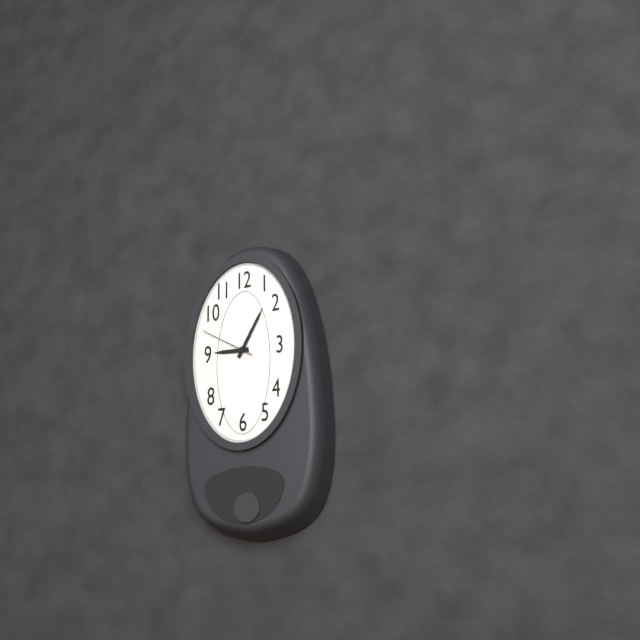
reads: 9,05,50
